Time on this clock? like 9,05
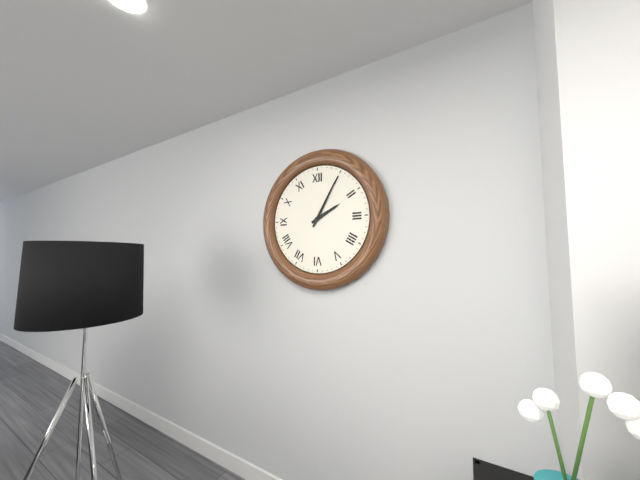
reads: 2,05
